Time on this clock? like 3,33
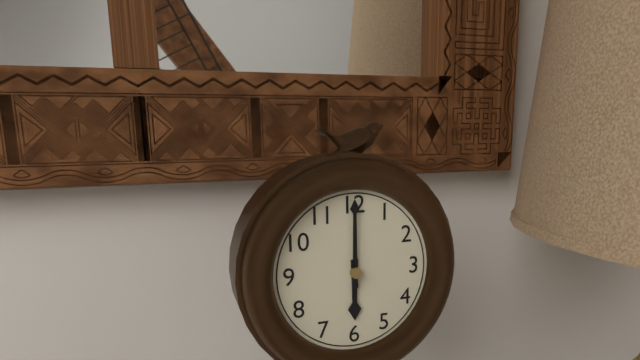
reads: 6,00
